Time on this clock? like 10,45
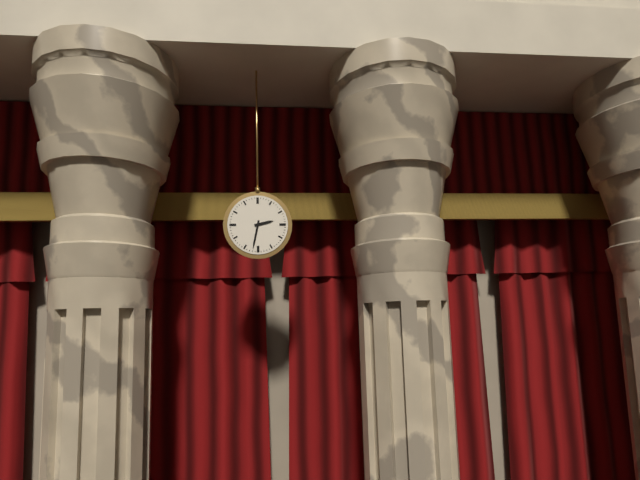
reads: 2,32
